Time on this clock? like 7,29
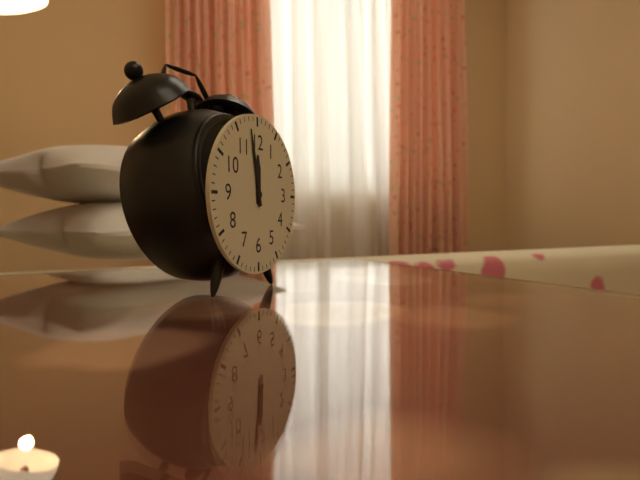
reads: 11,58
